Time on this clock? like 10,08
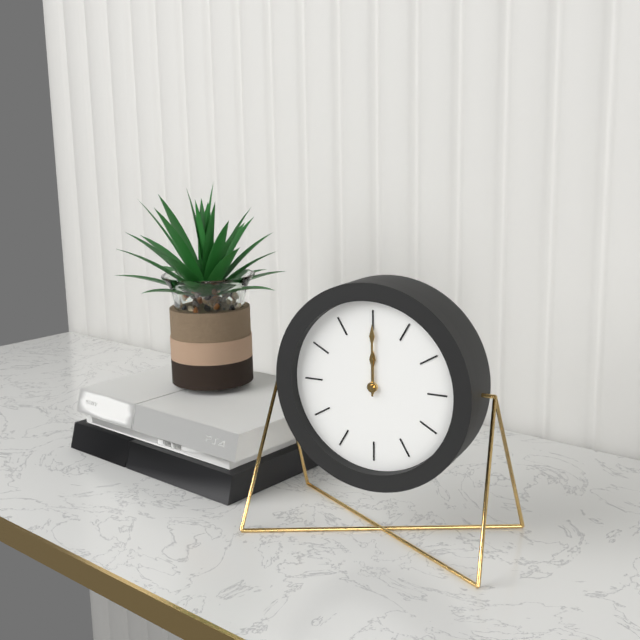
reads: 12,00
